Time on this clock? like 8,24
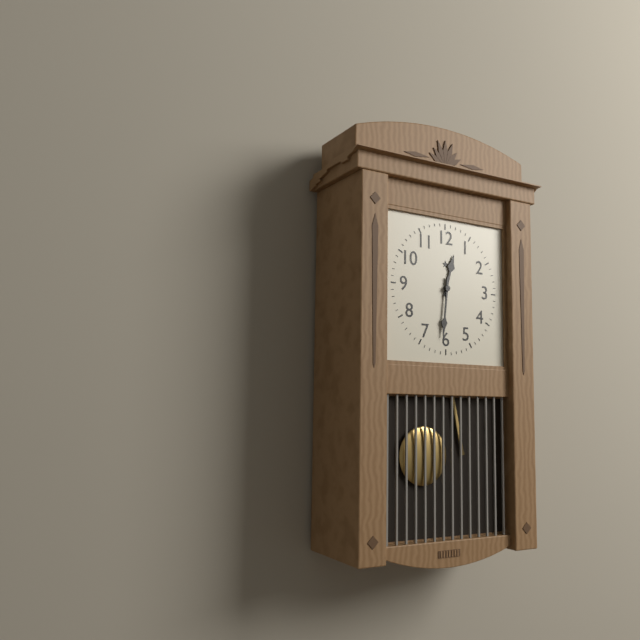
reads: 12,31
